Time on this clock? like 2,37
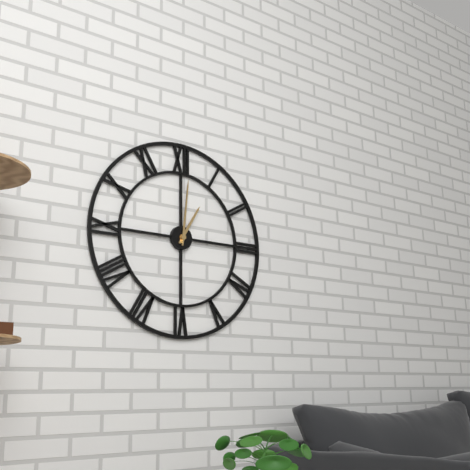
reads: 1,01
